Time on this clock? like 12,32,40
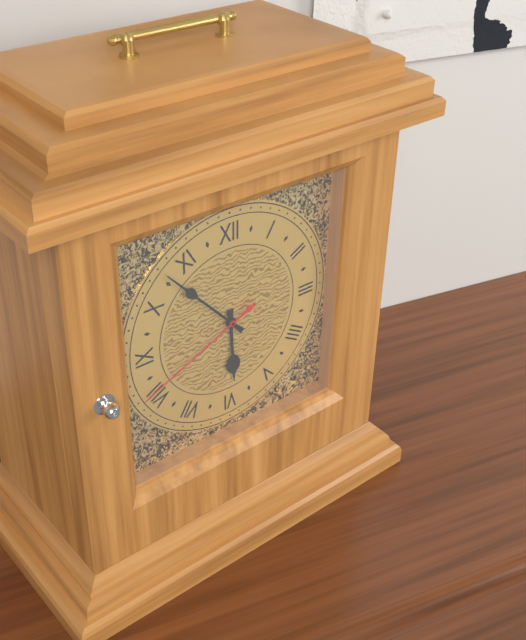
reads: 5,53,41
